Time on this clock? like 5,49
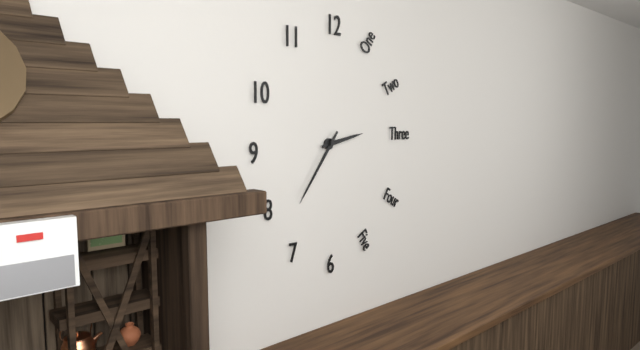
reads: 2,36
